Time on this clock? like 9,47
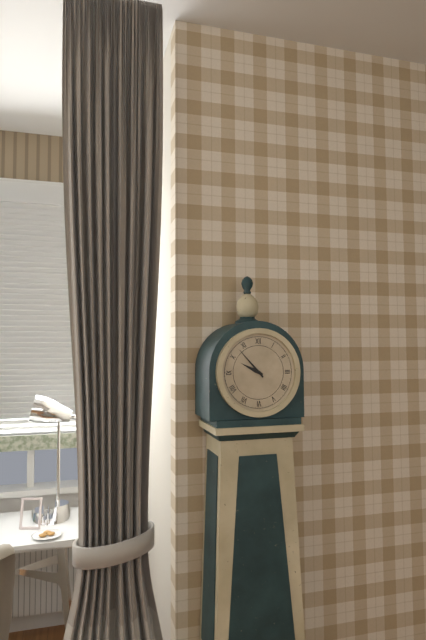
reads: 9,53
